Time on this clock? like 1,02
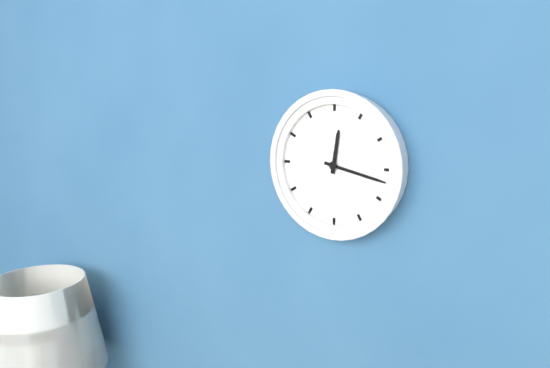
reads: 12,17
